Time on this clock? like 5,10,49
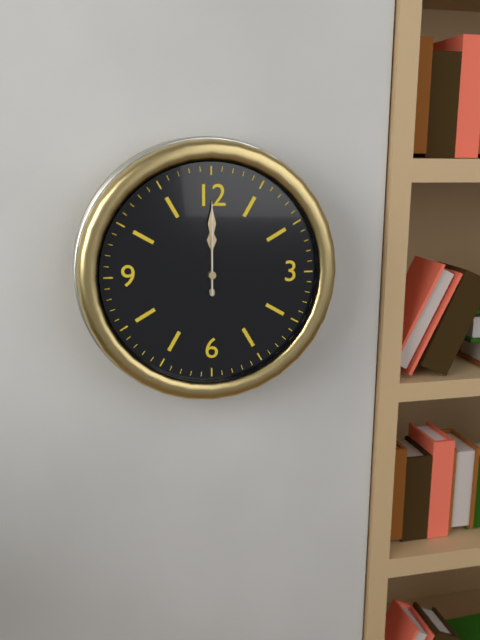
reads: 12,00,00
